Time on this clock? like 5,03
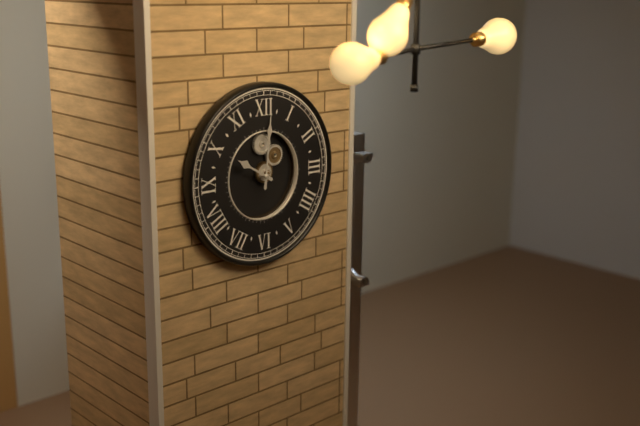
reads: 10,01
